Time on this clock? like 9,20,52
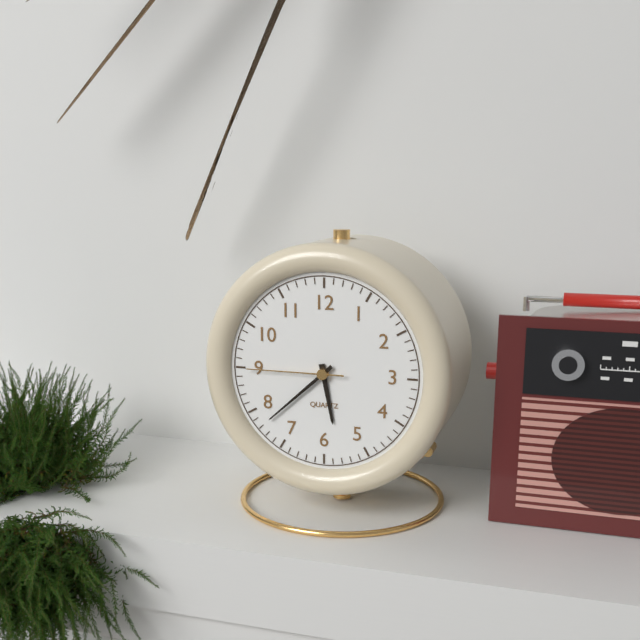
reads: 5,38,45
